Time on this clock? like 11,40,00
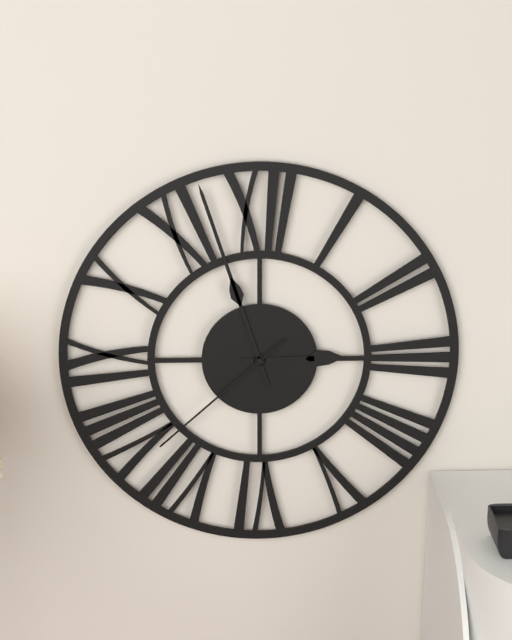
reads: 2,57,38
